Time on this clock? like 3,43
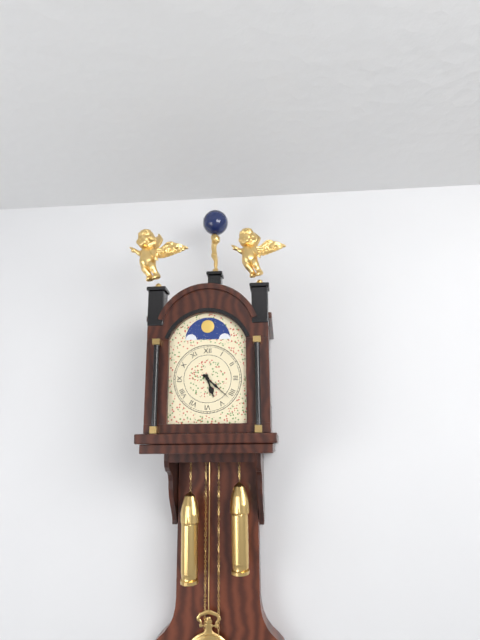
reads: 5,22
